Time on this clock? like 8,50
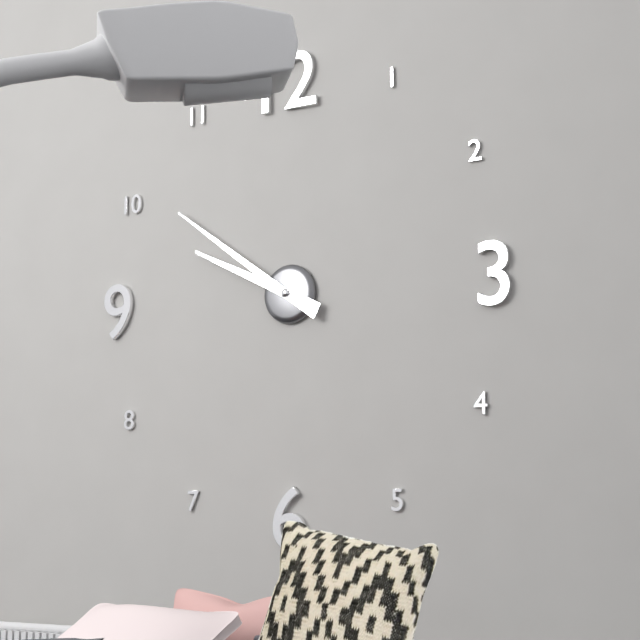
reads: 9,51
